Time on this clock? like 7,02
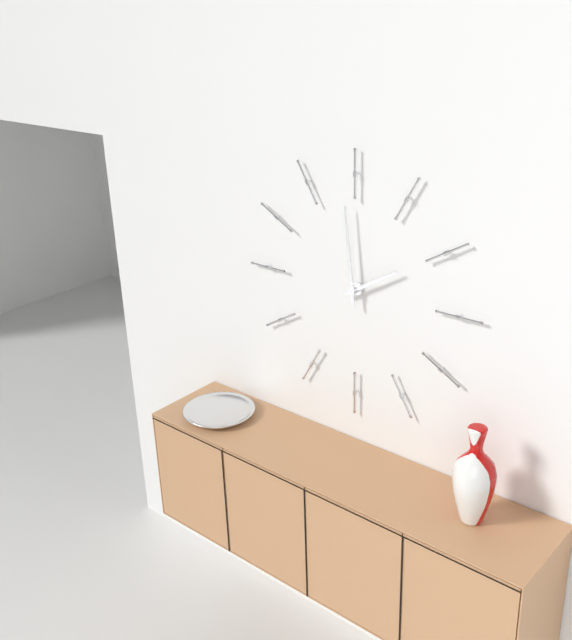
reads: 1,59
